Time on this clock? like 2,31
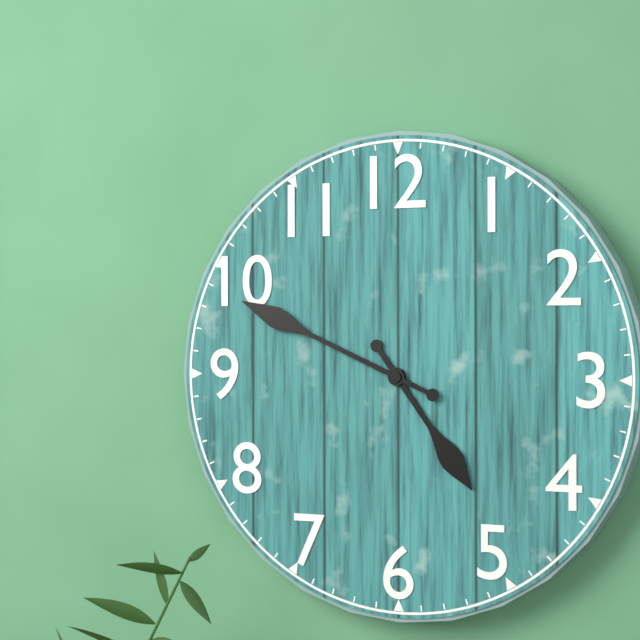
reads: 4,49
